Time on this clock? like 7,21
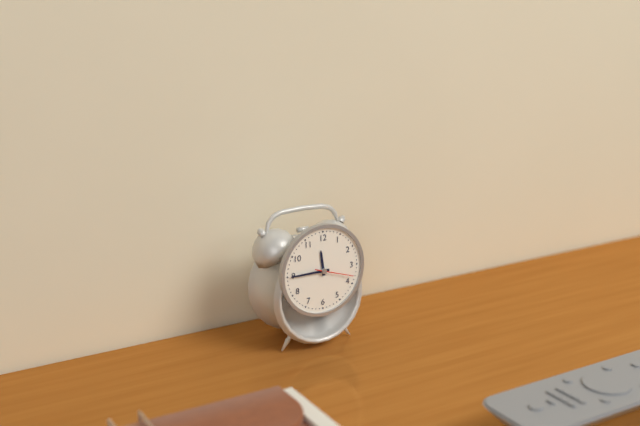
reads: 11,45
